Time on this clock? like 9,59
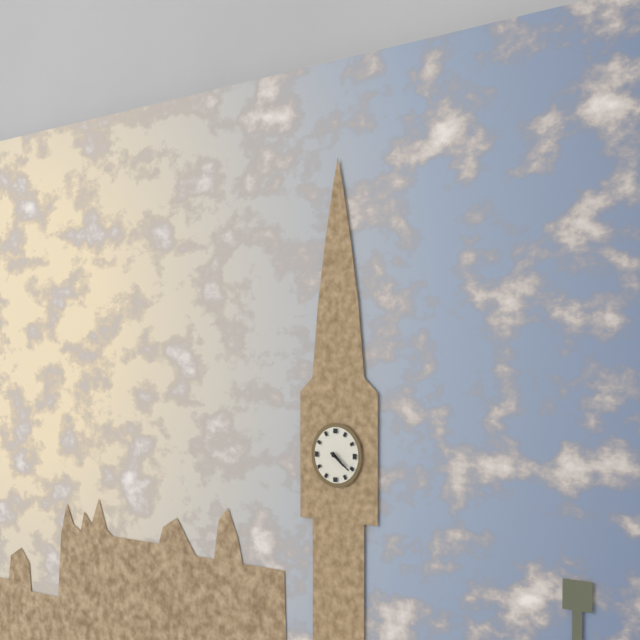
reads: 4,21
